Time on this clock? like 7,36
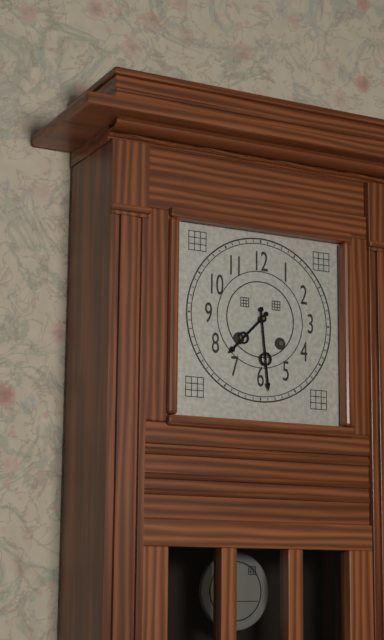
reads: 7,29
